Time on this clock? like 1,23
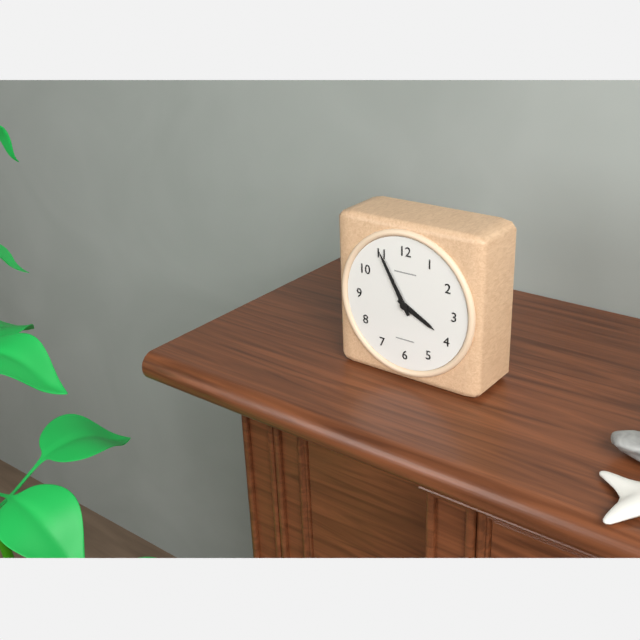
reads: 3,55
